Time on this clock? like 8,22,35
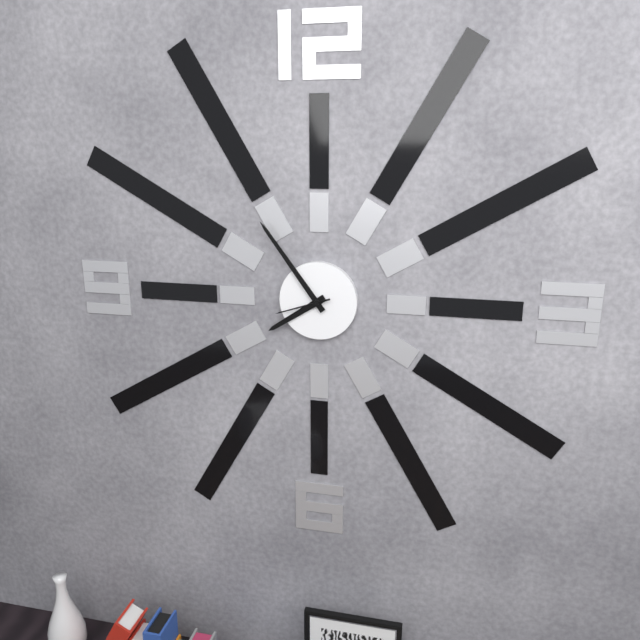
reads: 7,54,42
